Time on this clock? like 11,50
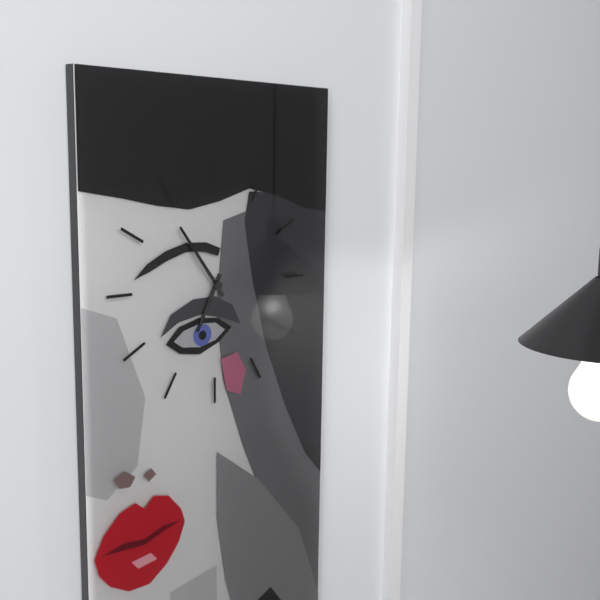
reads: 6,54
